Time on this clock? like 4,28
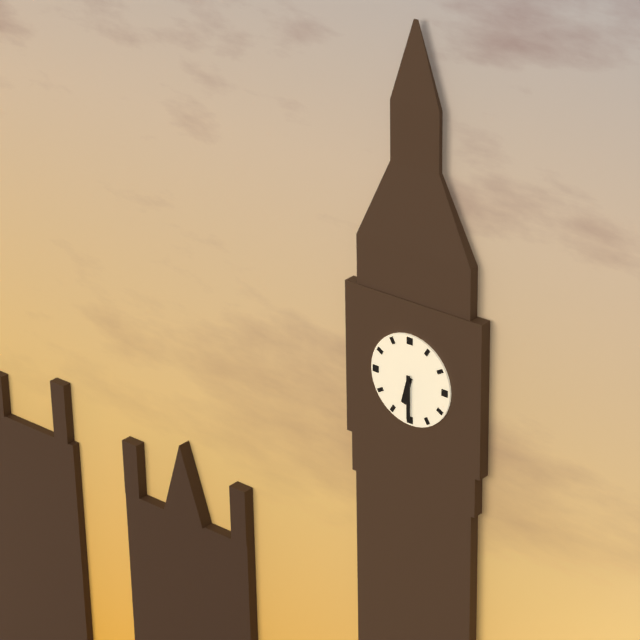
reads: 6,30
